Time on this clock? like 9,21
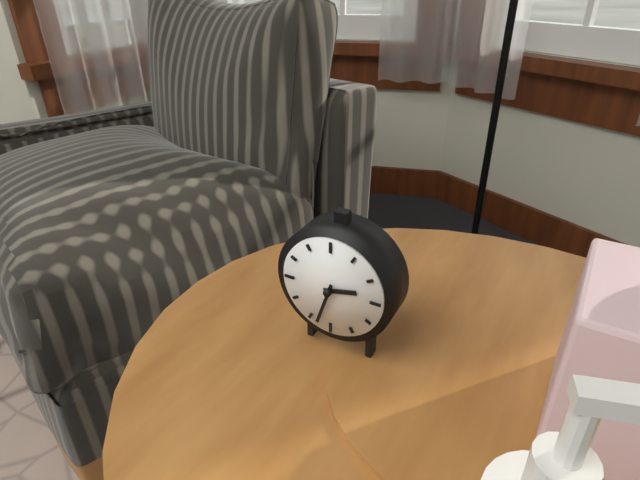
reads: 2,33
